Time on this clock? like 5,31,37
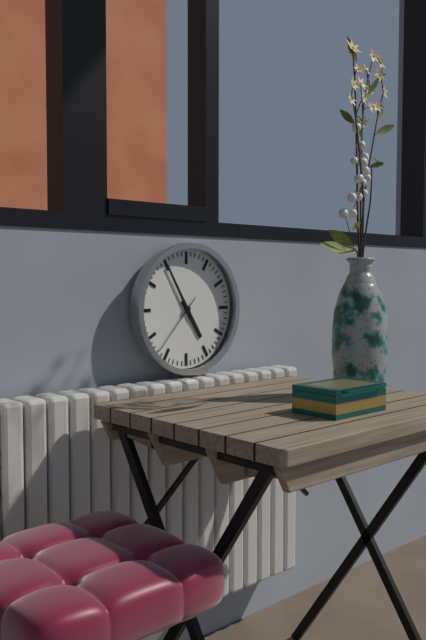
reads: 4,55,37
